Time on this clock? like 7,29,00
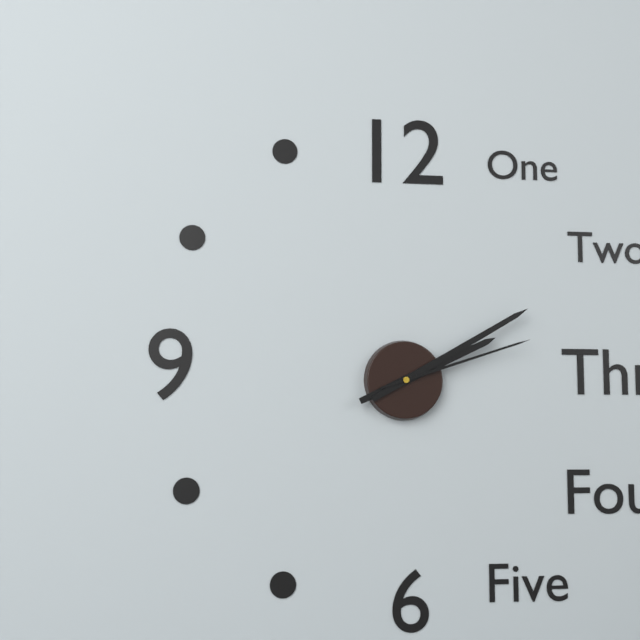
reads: 2,10,12
